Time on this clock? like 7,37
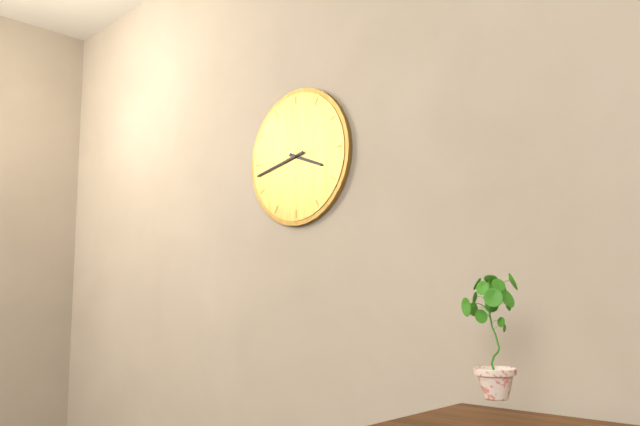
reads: 3,43
